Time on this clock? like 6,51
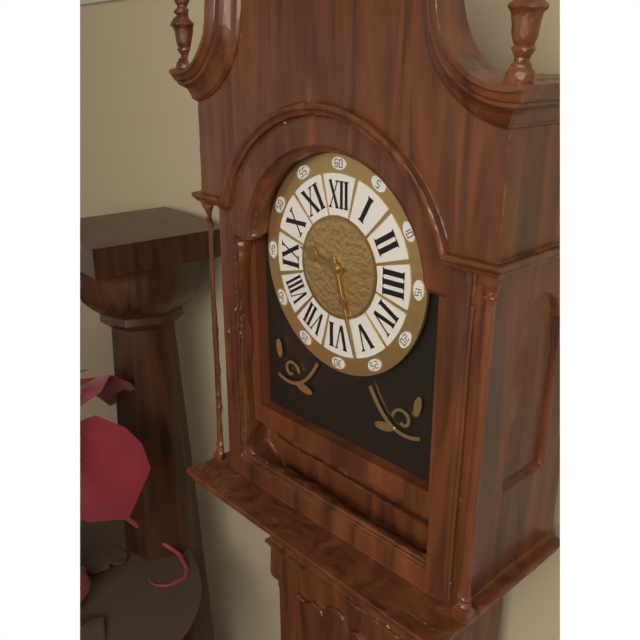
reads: 9,27
